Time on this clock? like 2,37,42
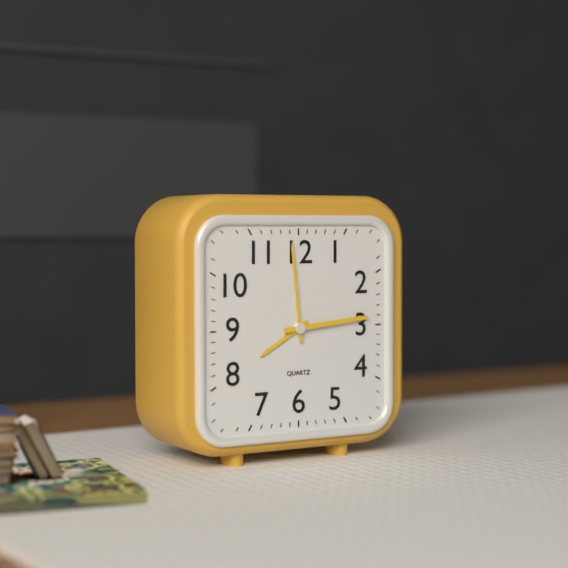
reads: 7,59,14
